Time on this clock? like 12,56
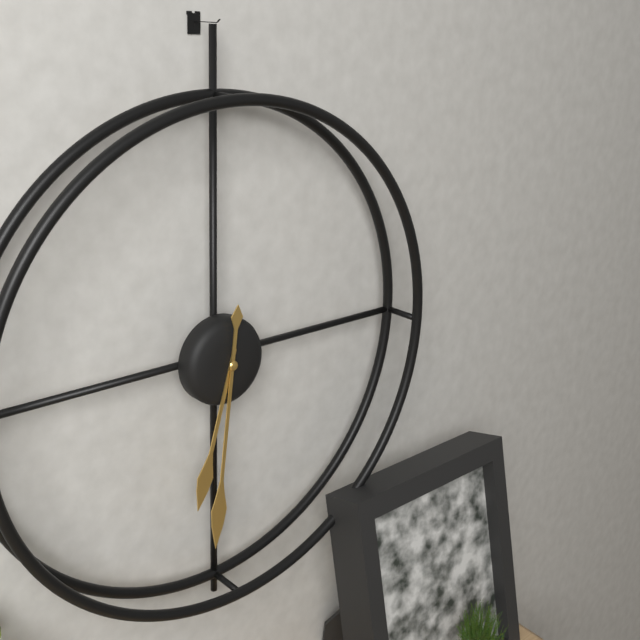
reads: 6,31
